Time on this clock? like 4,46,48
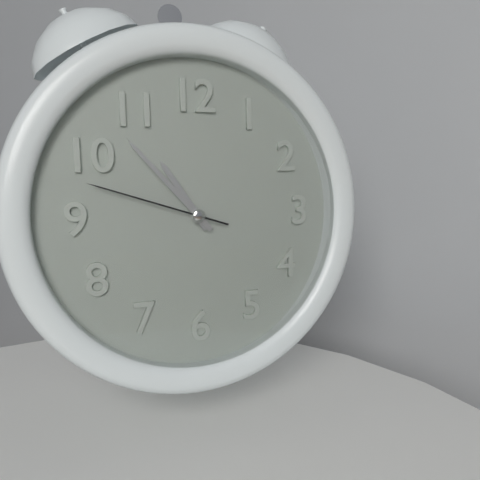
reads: 10,53,48
